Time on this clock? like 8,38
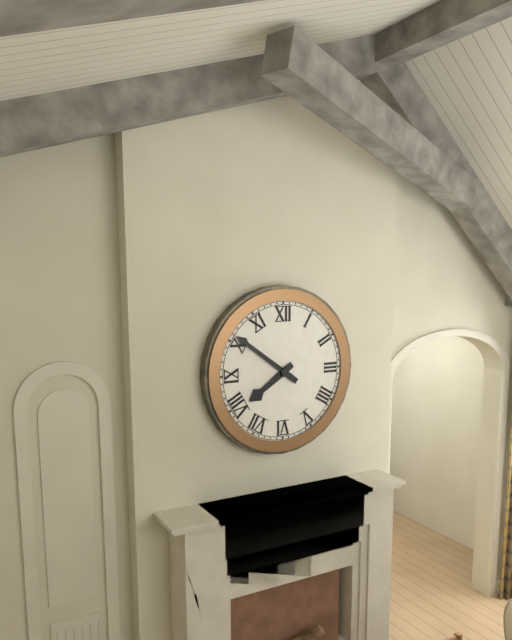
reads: 7,51
